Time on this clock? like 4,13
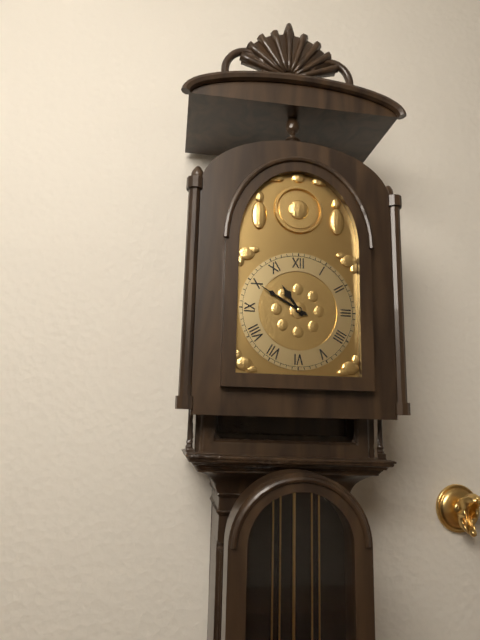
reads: 10,50
